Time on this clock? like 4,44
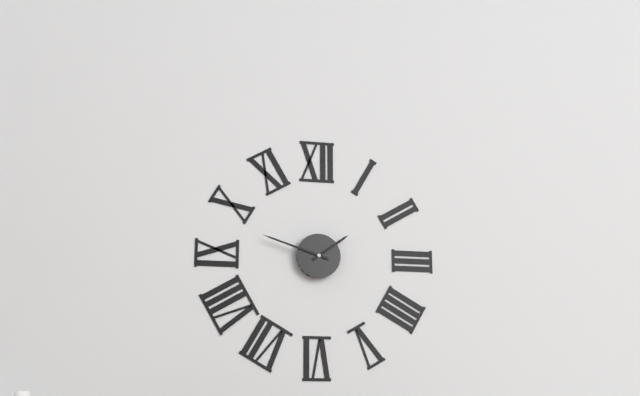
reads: 1,48
